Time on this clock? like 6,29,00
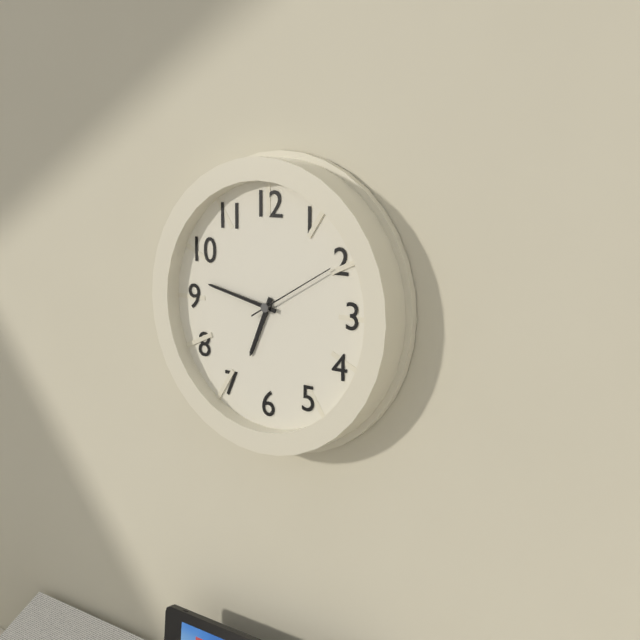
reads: 6,47,10
